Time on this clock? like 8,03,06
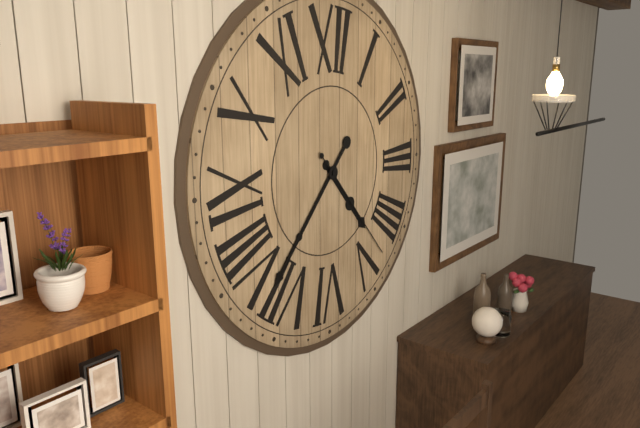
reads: 4,37,23
